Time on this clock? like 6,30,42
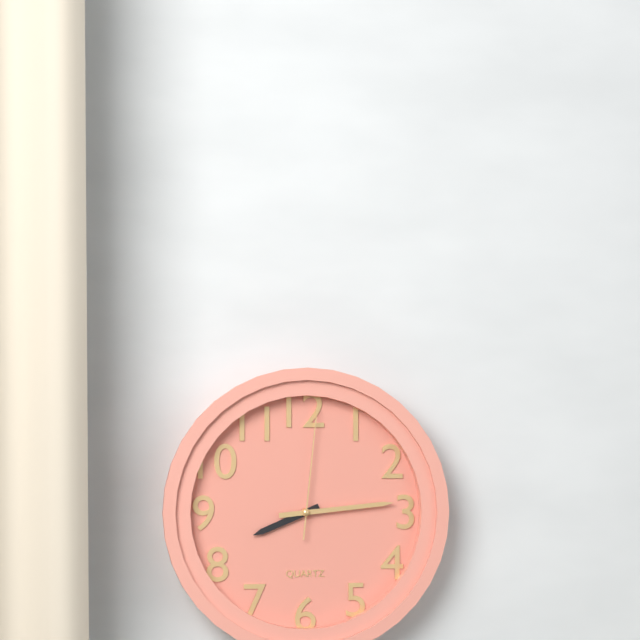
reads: 8,14,01
